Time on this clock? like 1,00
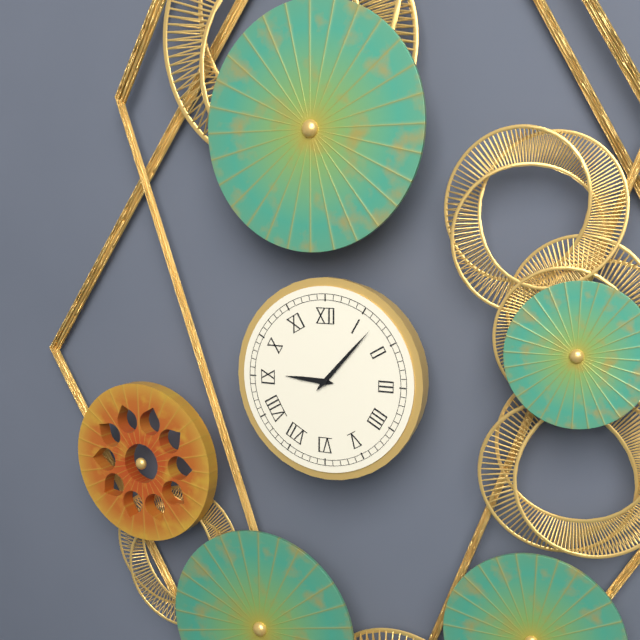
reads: 9,07
